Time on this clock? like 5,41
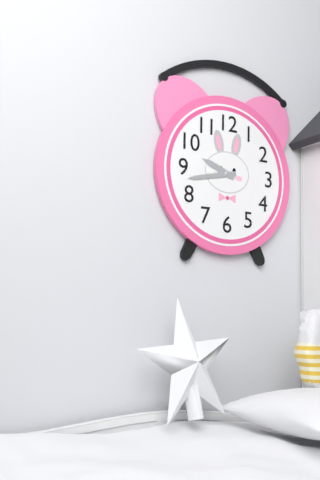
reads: 9,43
